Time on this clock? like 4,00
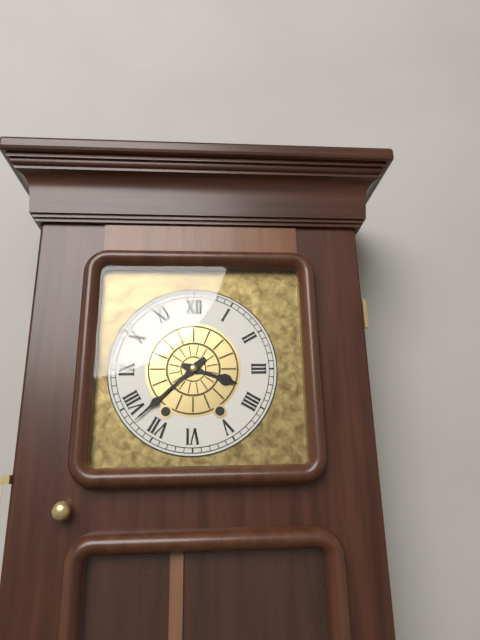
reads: 3,38
